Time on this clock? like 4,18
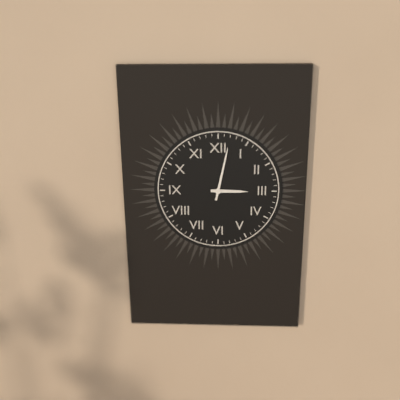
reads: 3,02
